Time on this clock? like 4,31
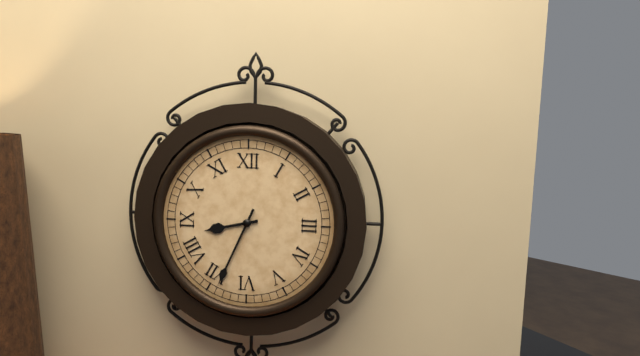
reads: 8,34
